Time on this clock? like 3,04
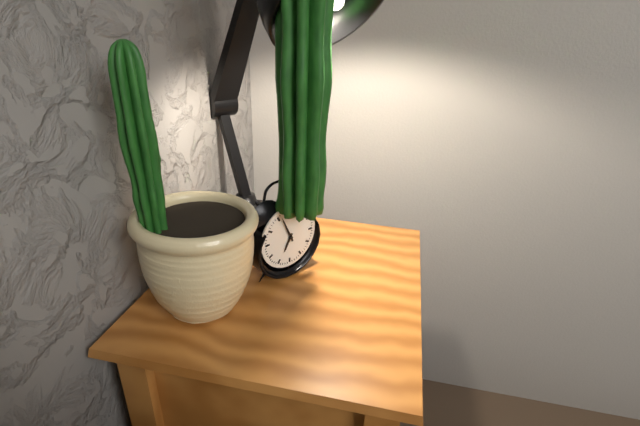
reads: 6,56
